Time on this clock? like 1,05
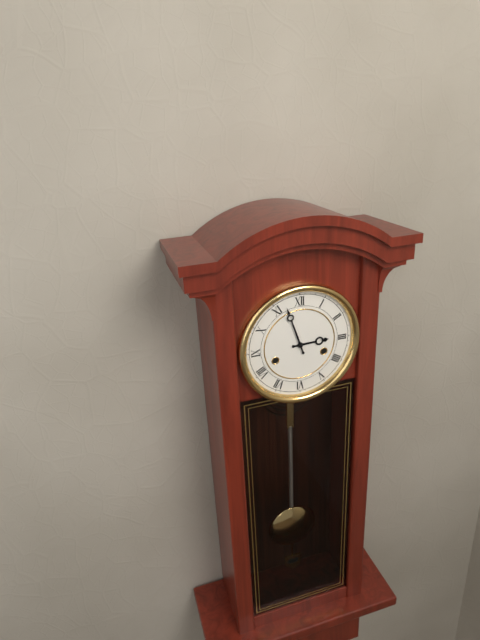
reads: 2,57
